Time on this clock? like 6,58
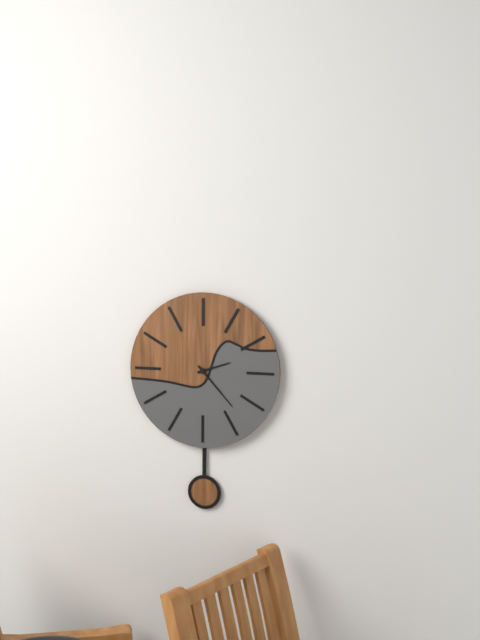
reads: 2,23
